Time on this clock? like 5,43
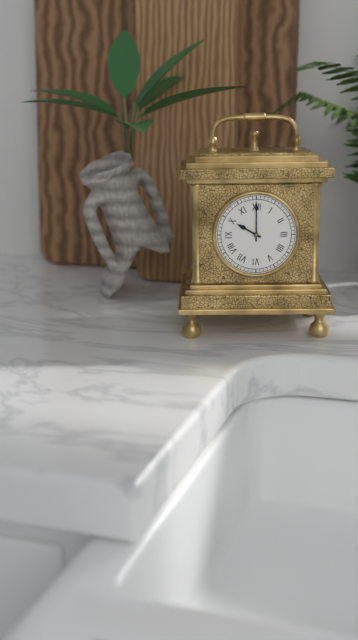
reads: 10,00
